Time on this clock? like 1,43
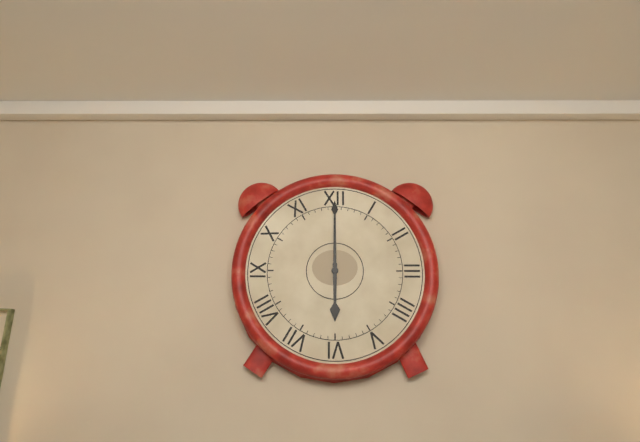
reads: 6,00
